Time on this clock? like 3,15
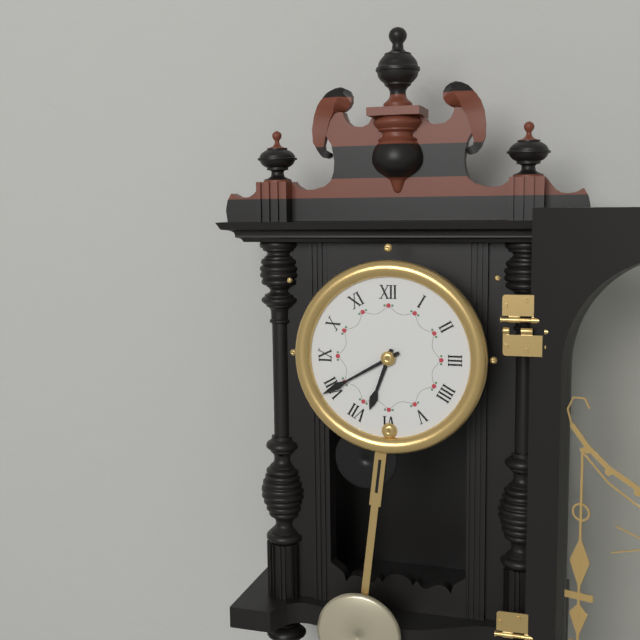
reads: 6,40
